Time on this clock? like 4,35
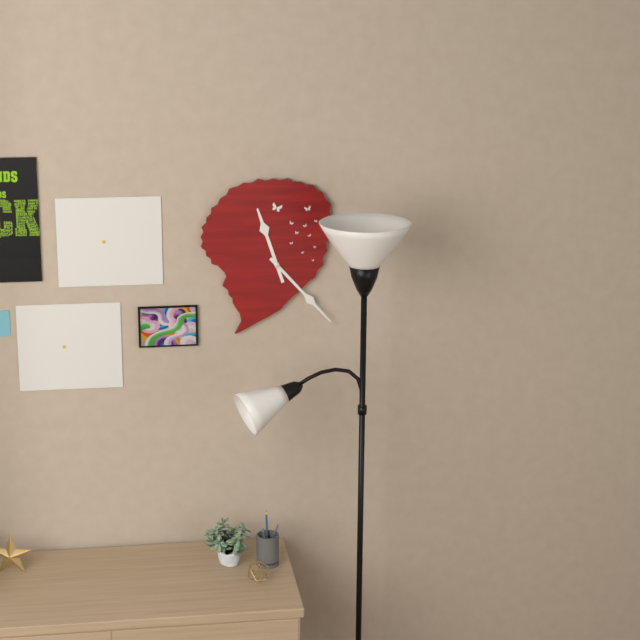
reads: 11,23
